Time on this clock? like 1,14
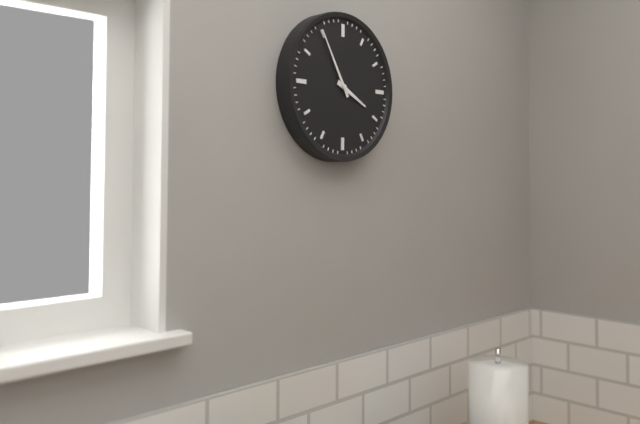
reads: 3,55
